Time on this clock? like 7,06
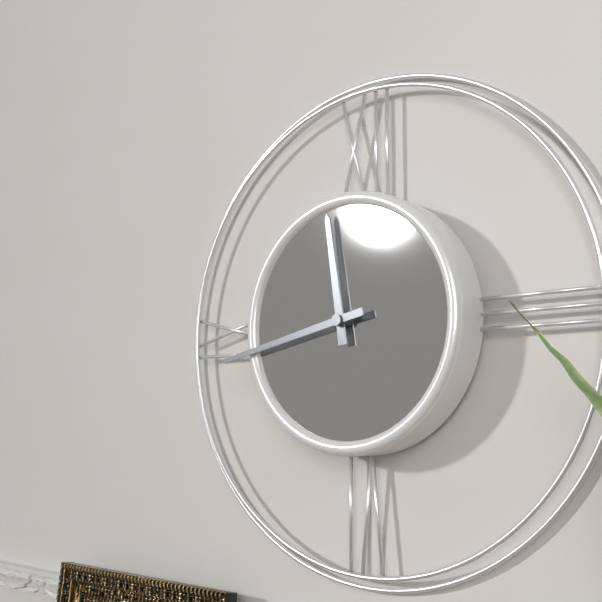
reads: 11,43
